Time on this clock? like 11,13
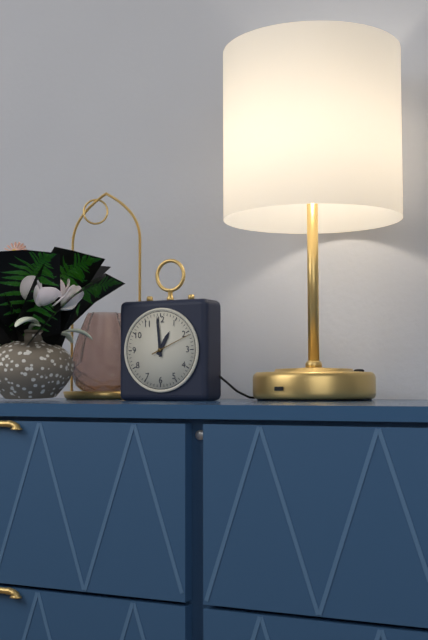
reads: 12,59
